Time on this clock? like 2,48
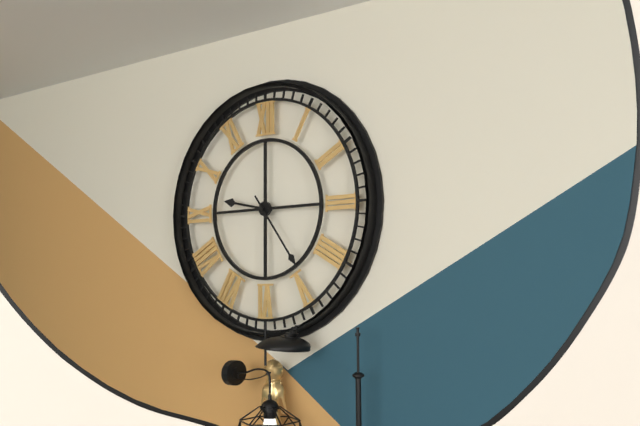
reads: 9,24
